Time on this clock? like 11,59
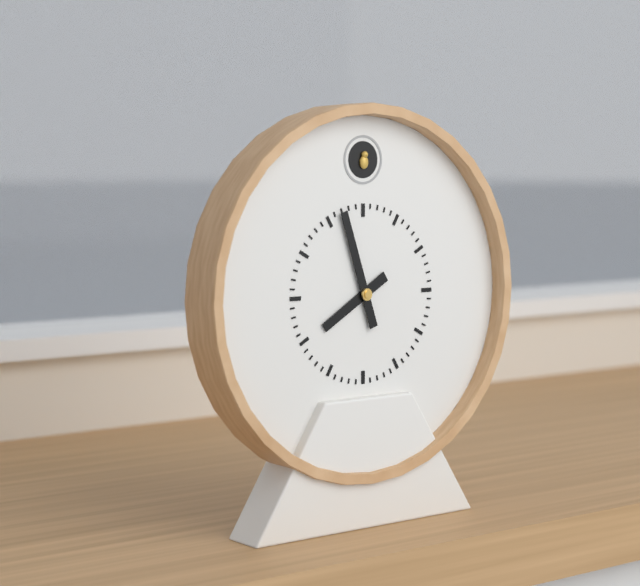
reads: 7,57
